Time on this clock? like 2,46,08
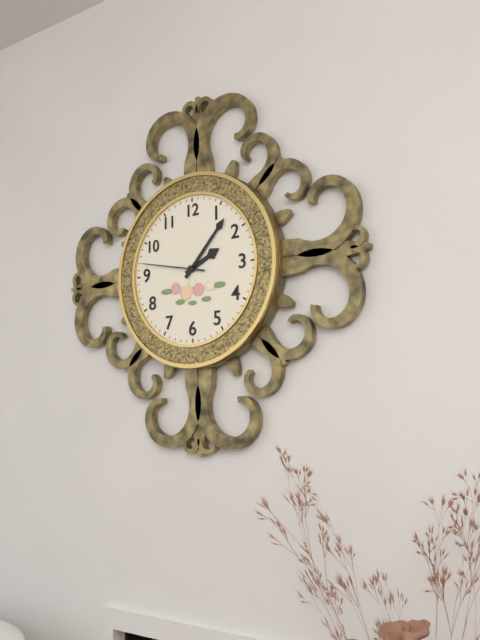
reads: 2,07,47
